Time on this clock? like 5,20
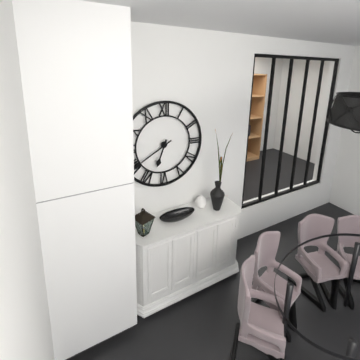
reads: 6,40
